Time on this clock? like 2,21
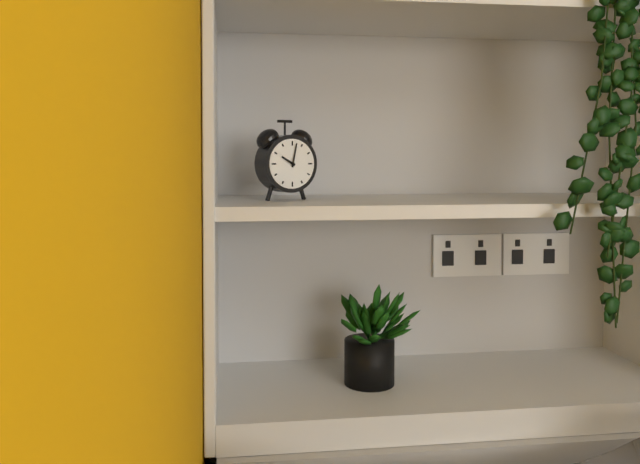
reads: 10,02
